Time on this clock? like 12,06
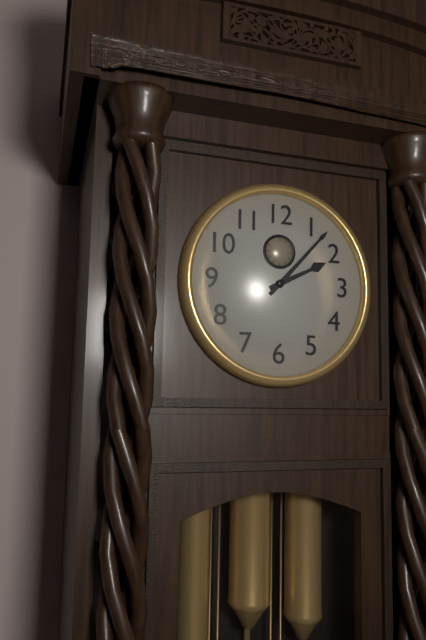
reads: 2,07
